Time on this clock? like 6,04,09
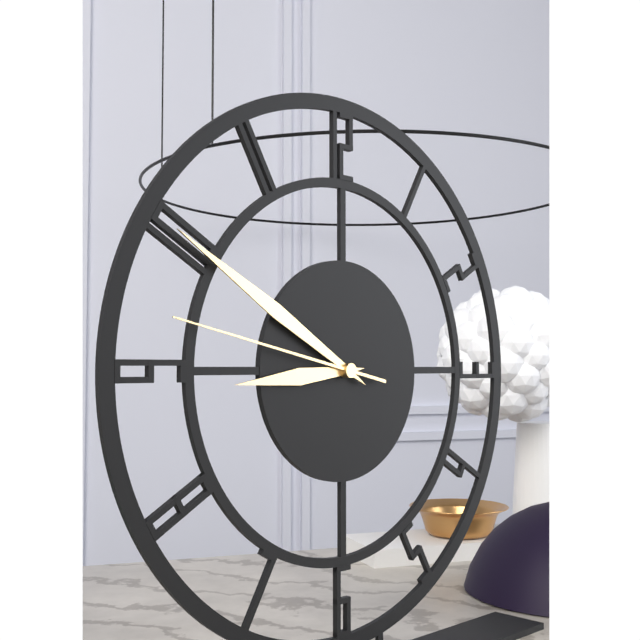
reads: 8,50,47
